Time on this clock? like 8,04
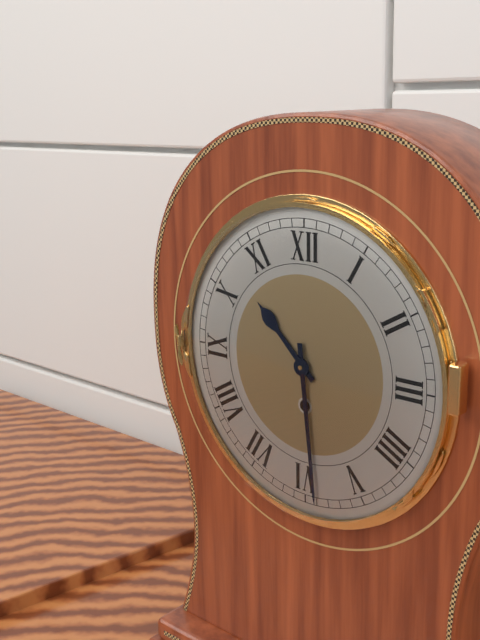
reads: 10,29
